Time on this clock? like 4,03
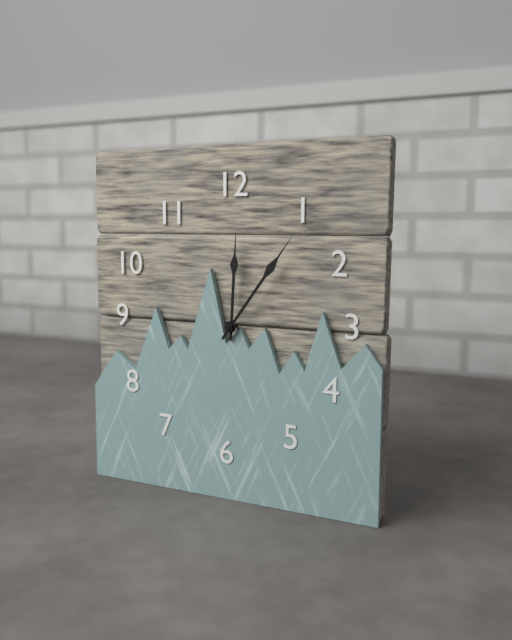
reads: 12,06
